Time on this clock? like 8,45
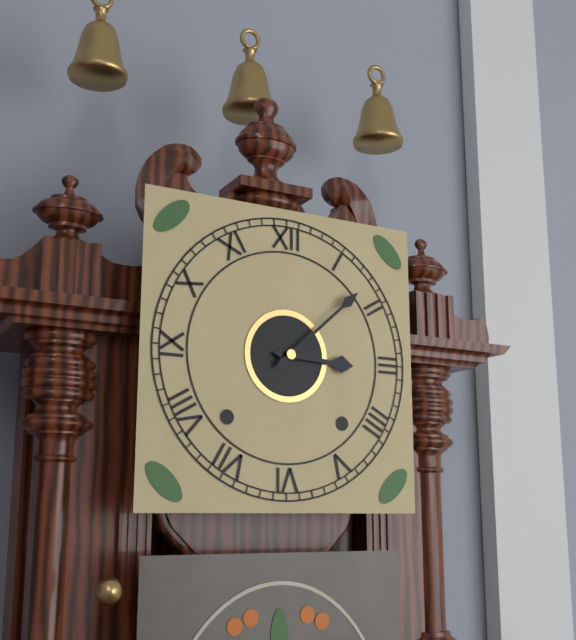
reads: 3,08
